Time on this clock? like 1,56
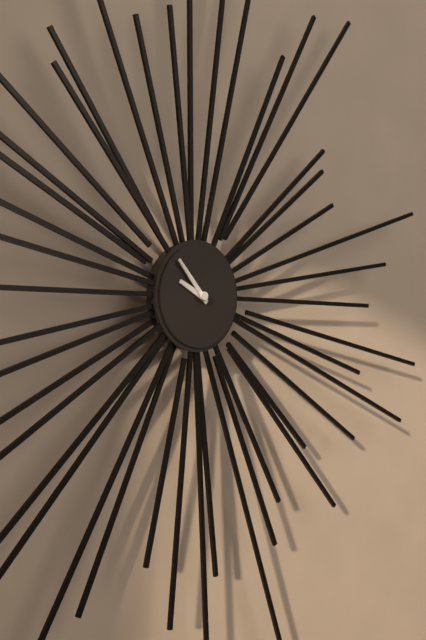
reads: 9,53
